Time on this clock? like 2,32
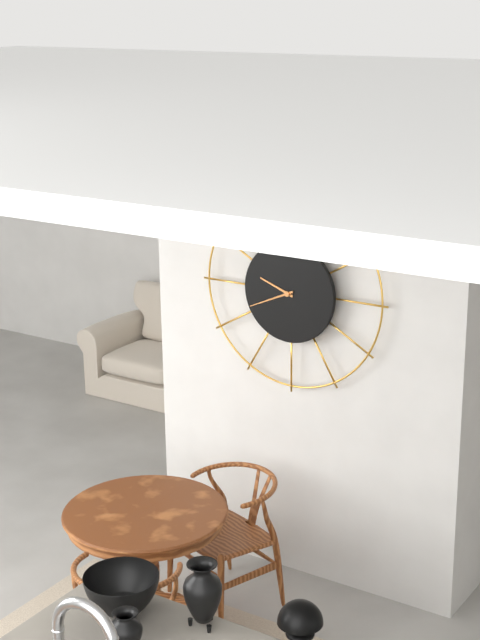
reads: 9,41
